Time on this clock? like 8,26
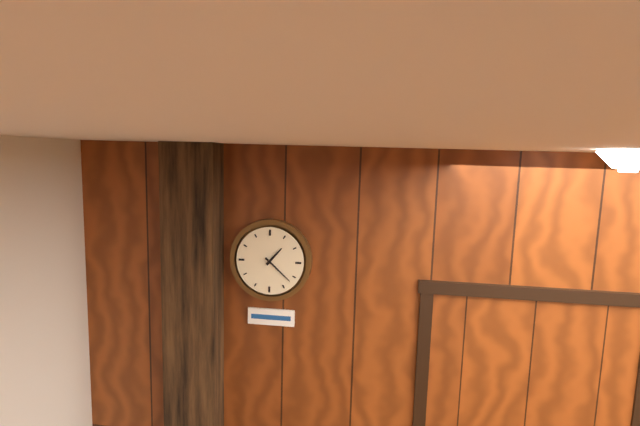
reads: 1,22
